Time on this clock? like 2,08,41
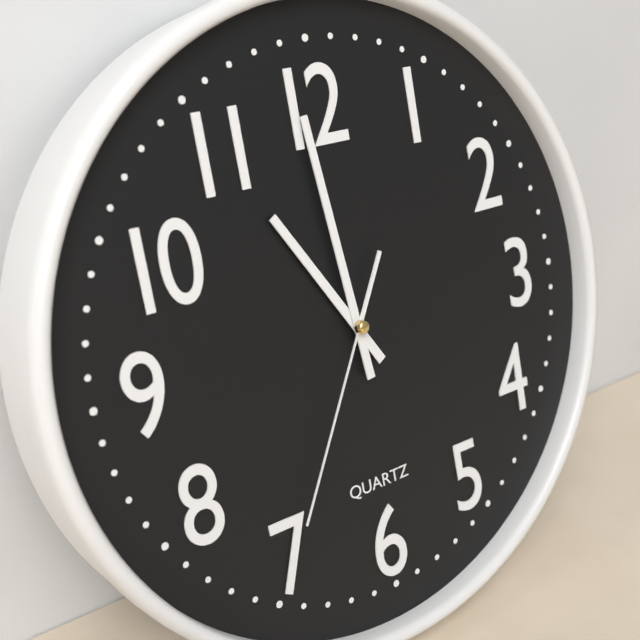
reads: 10,59,35
